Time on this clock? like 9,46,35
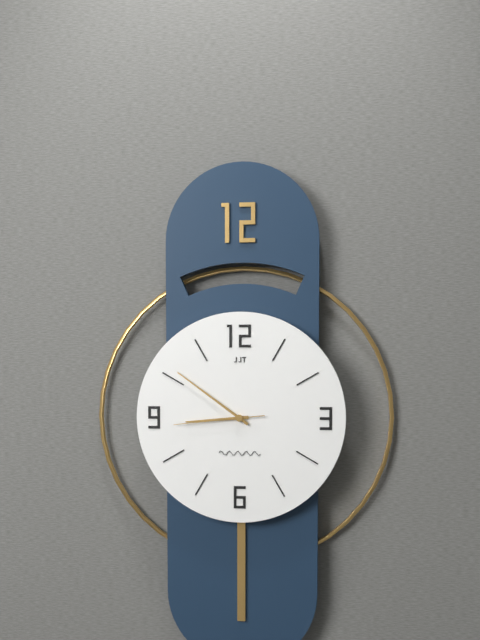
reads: 8,51,44
